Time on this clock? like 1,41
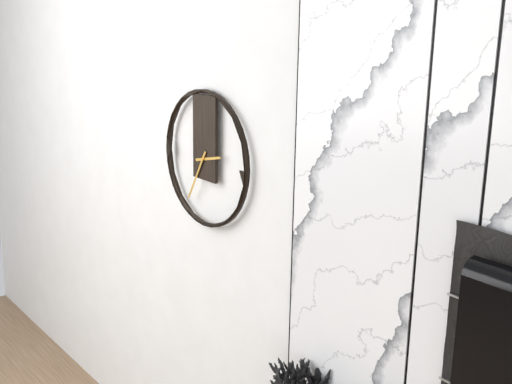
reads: 2,35
